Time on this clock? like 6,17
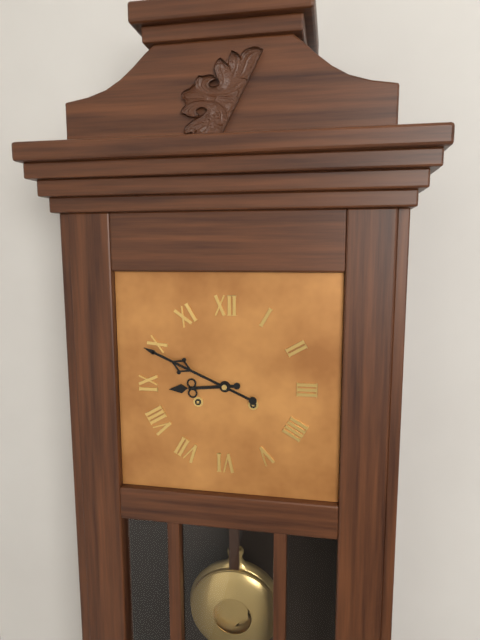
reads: 8,49
